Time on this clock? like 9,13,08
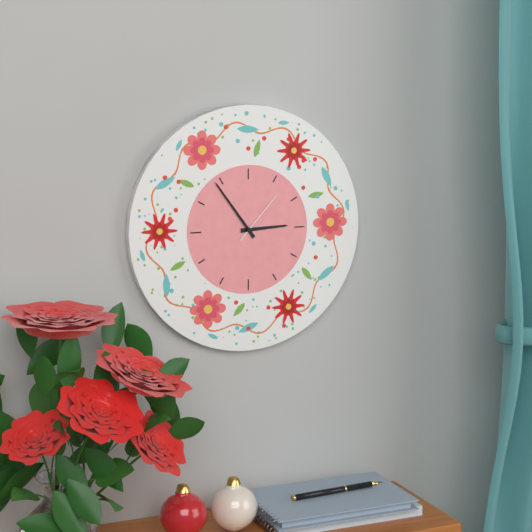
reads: 2,54,07
